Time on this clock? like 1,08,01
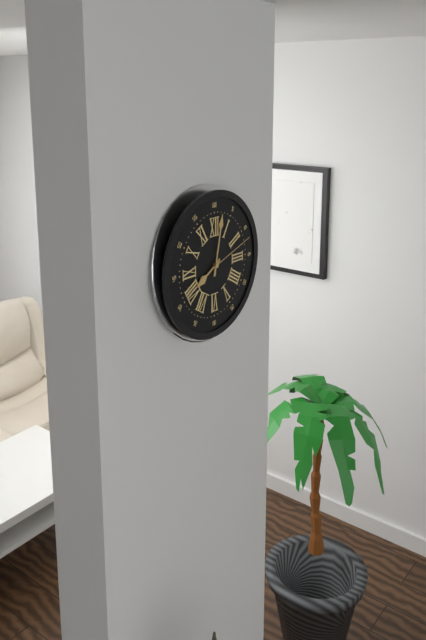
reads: 8,02,12
